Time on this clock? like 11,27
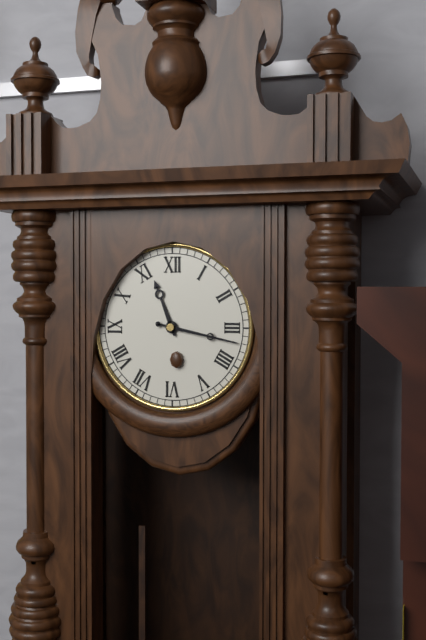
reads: 11,17
